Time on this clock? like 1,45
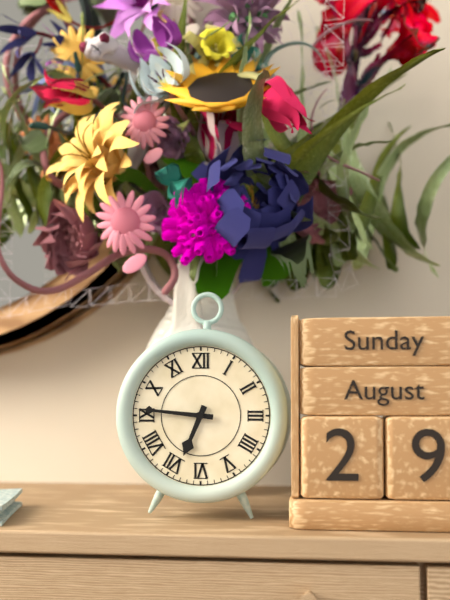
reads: 6,46
